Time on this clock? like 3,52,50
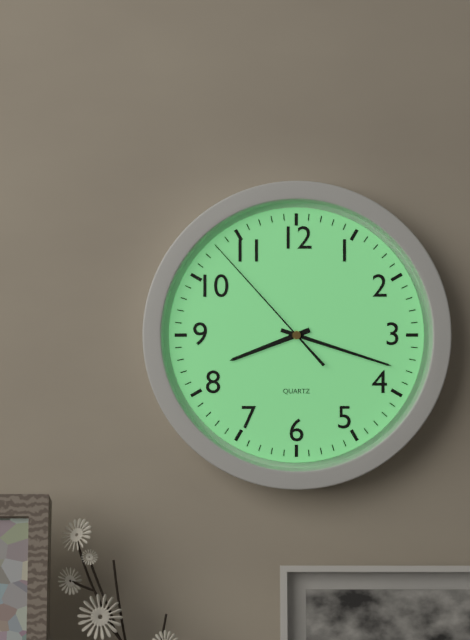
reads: 8,18,53
